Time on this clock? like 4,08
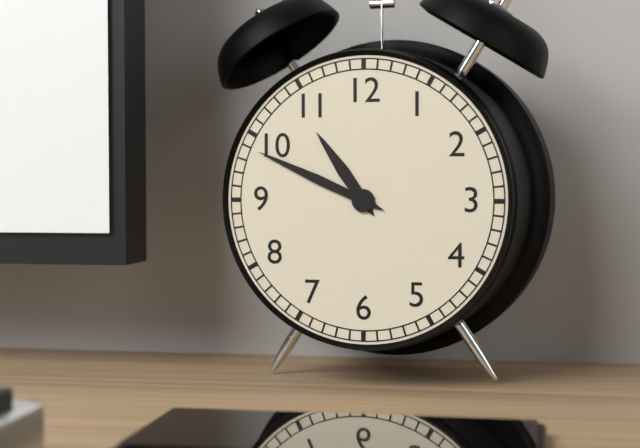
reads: 10,49
